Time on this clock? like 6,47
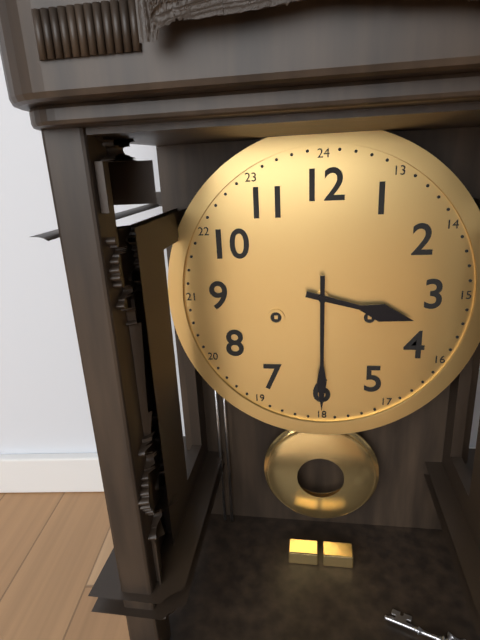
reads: 3,30
